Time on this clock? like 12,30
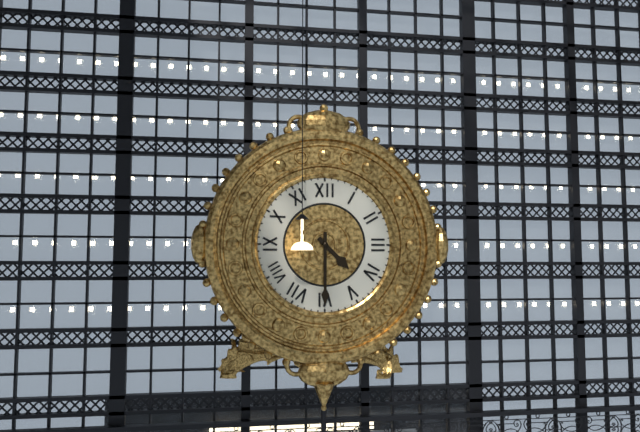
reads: 4,30
